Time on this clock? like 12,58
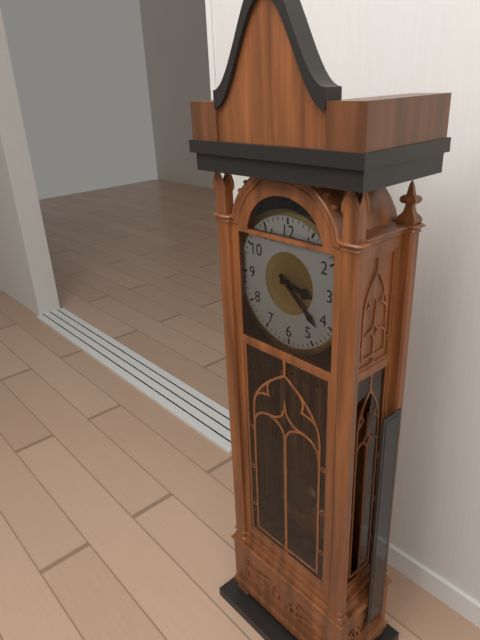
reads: 3,22
